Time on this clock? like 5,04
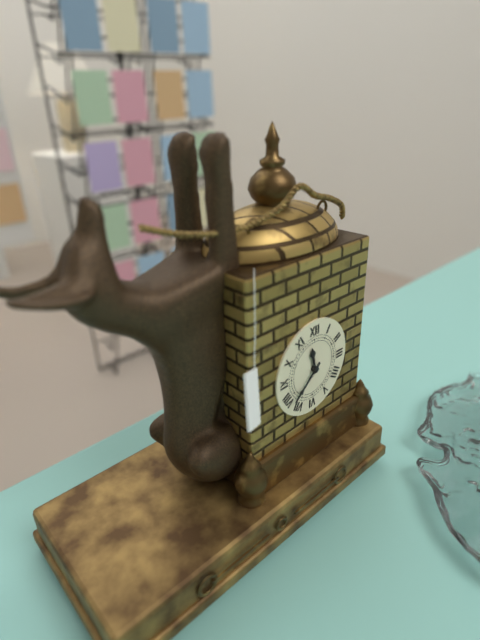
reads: 11,38
